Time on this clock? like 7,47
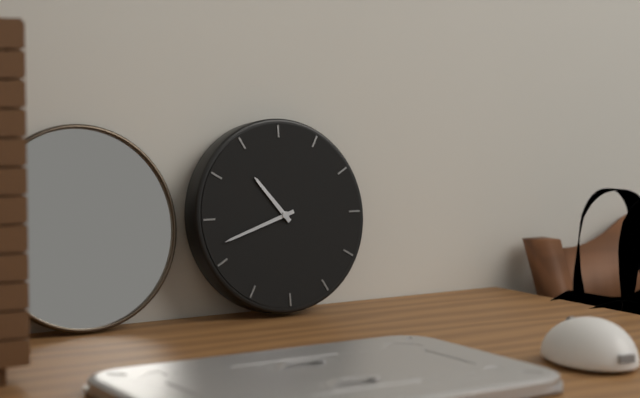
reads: 10,42
